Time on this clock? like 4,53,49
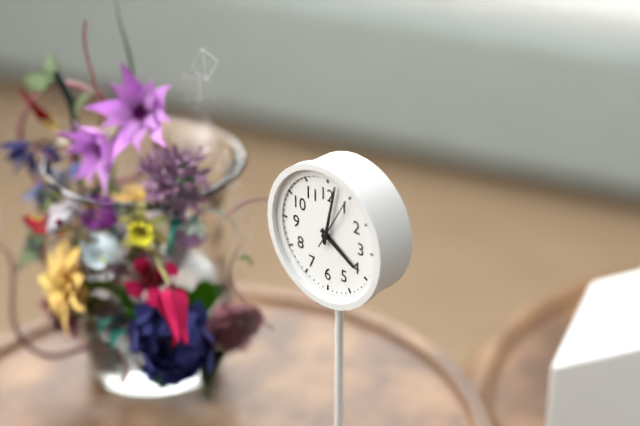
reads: 4,02,05
